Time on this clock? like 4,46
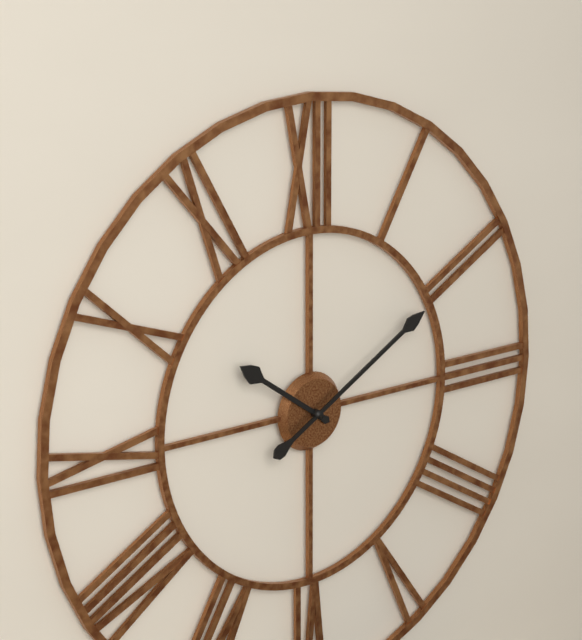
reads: 10,10
